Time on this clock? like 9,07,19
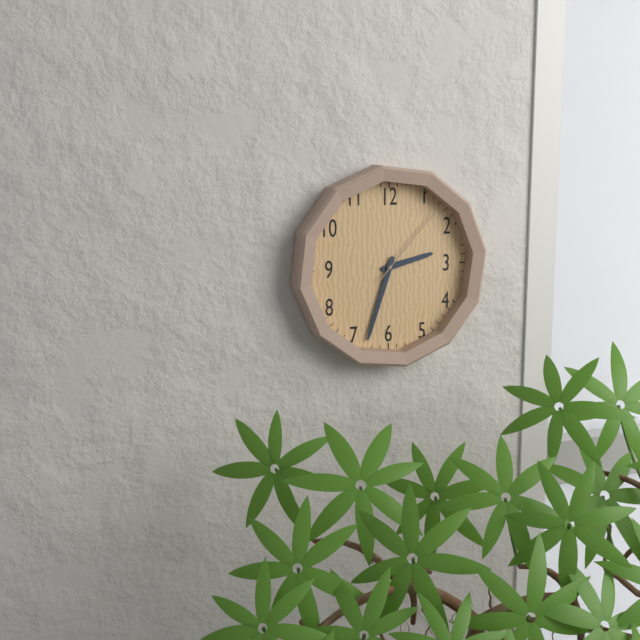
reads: 2,33,07
